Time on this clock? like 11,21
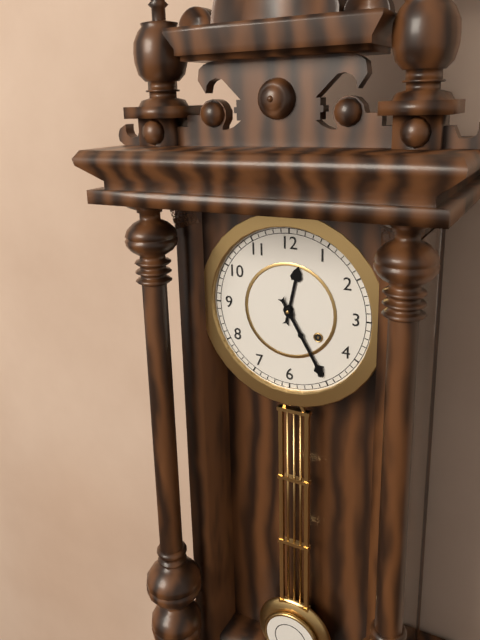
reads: 12,25
